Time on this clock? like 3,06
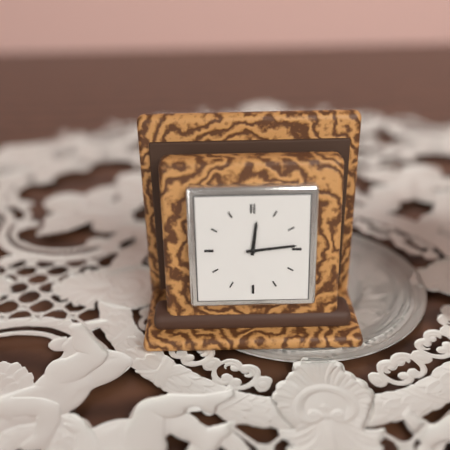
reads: 12,14
